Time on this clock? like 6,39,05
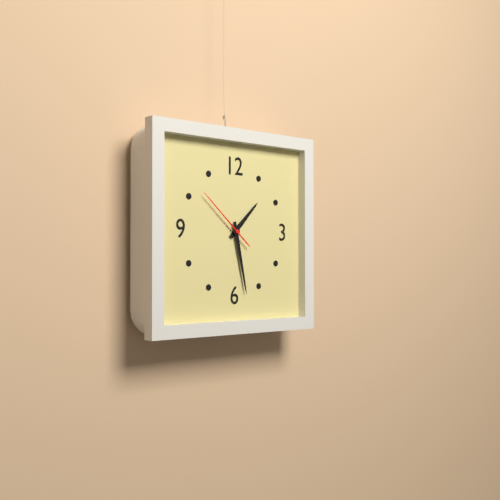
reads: 1,28,52
